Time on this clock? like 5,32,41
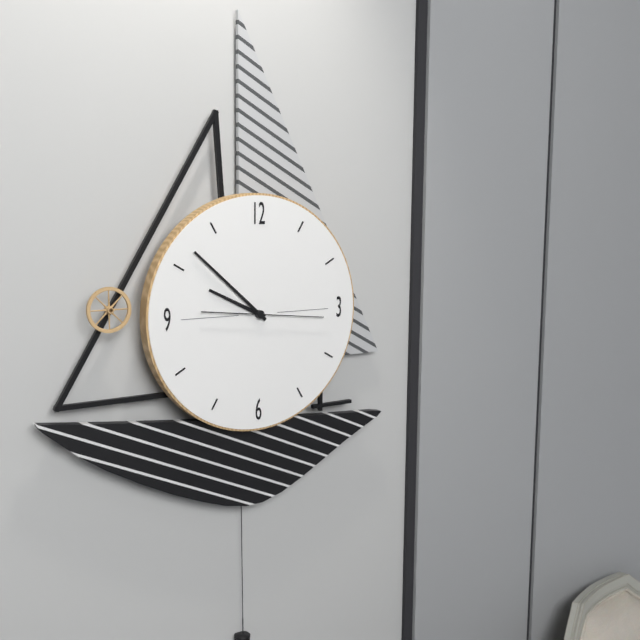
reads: 9,52,16
